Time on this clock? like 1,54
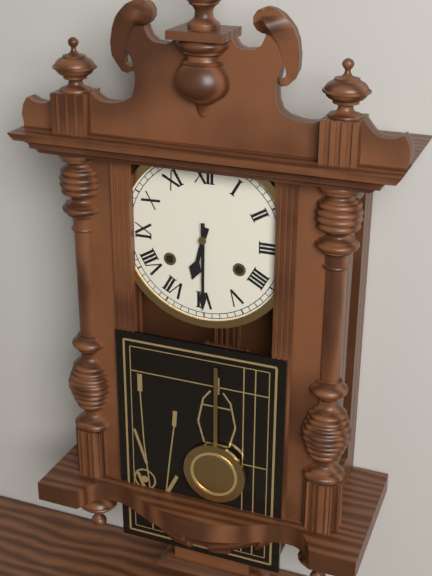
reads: 6,30
